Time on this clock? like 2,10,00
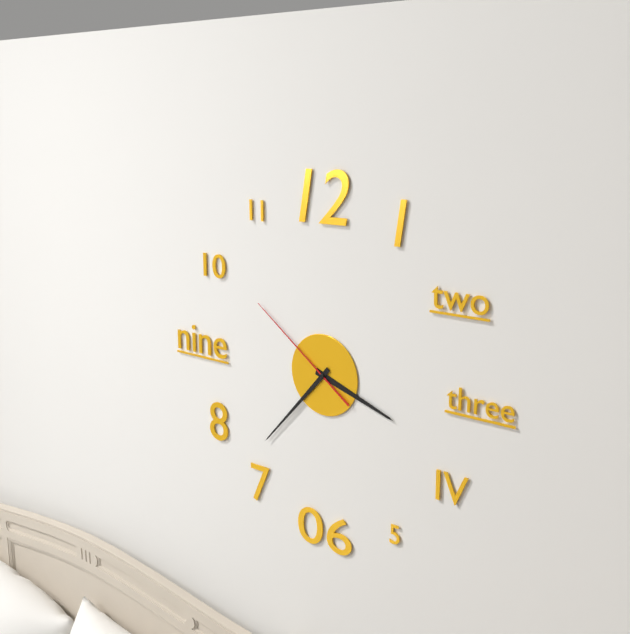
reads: 3,37,51
